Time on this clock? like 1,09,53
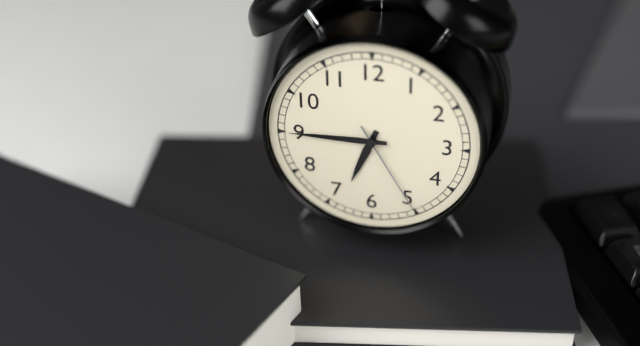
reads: 6,45,25
